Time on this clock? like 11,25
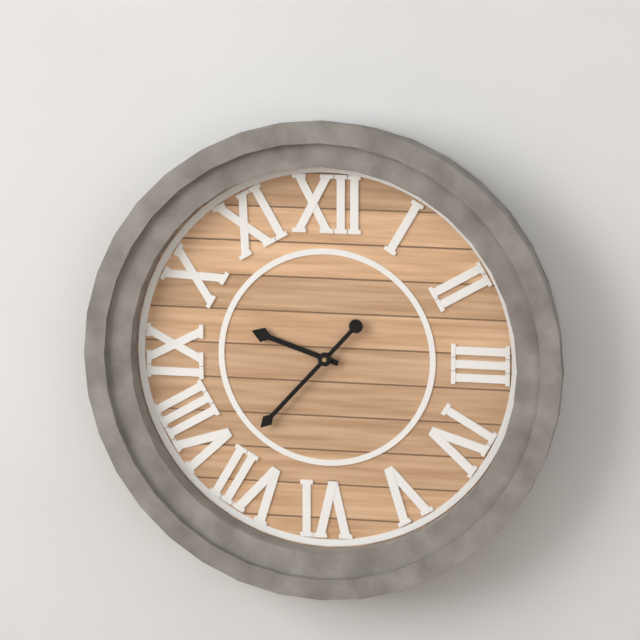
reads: 9,37
